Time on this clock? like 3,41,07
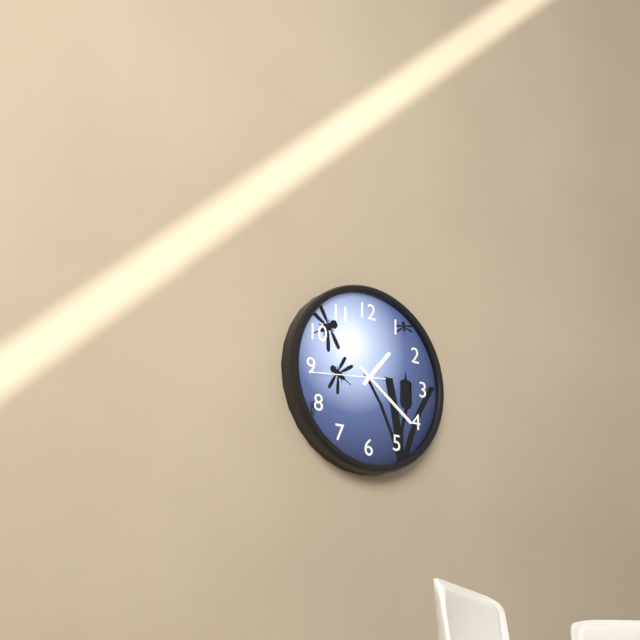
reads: 1,21,44
